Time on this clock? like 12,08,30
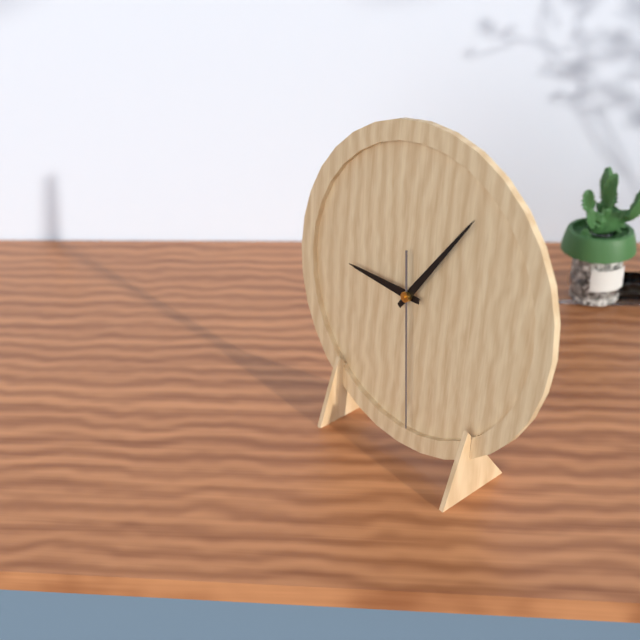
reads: 9,06,29
